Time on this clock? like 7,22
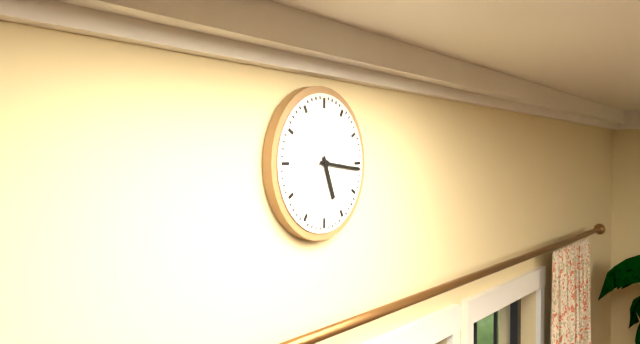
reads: 5,16
